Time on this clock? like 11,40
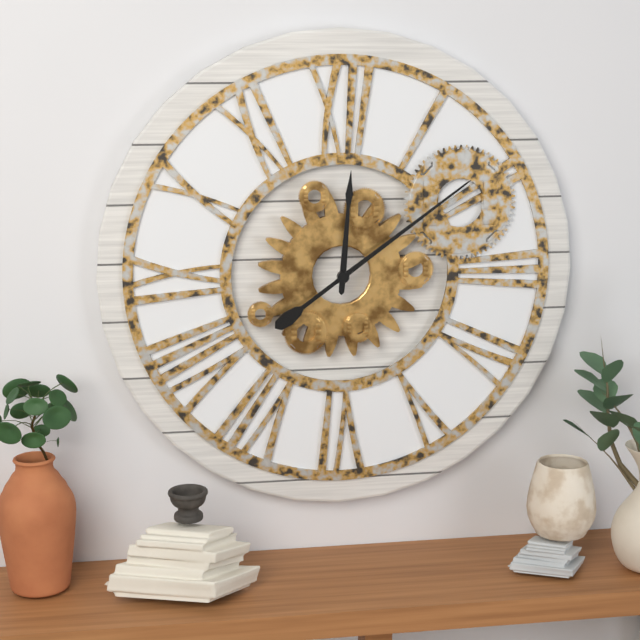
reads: 12,09
